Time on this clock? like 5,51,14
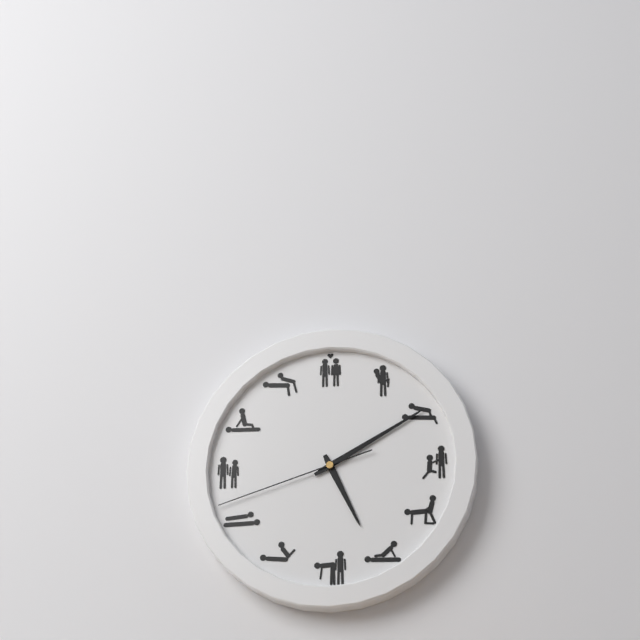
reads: 5,10,42
